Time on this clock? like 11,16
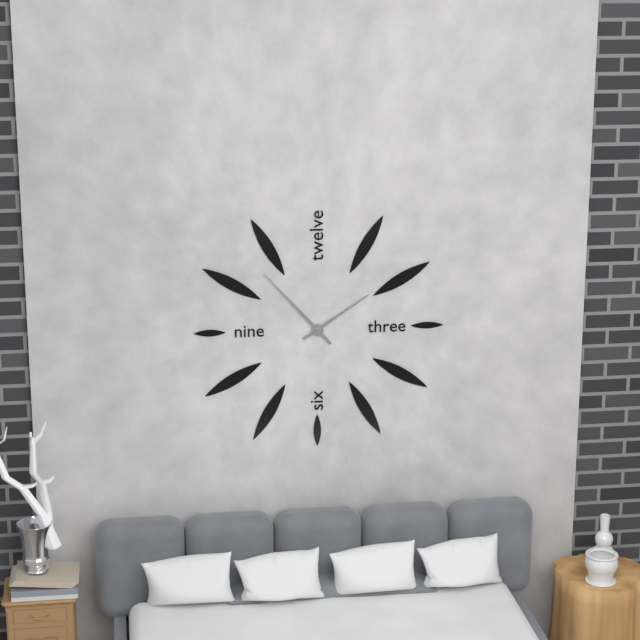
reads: 1,53
